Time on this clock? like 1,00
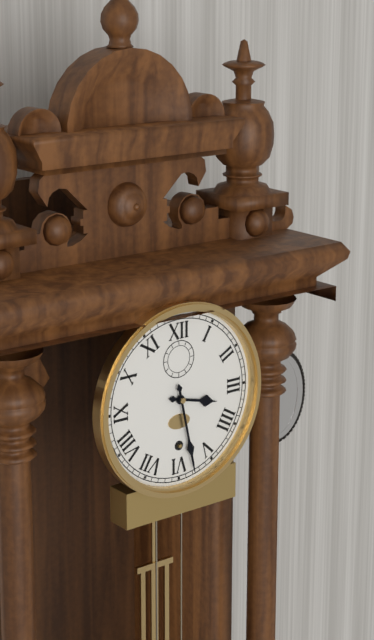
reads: 3,28
